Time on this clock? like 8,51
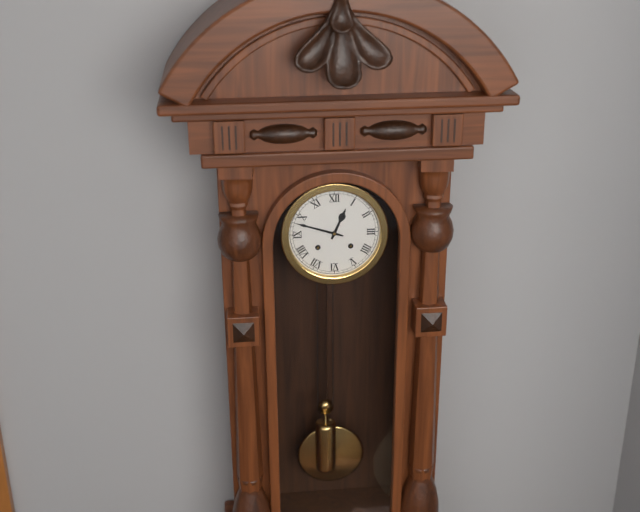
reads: 12,48
